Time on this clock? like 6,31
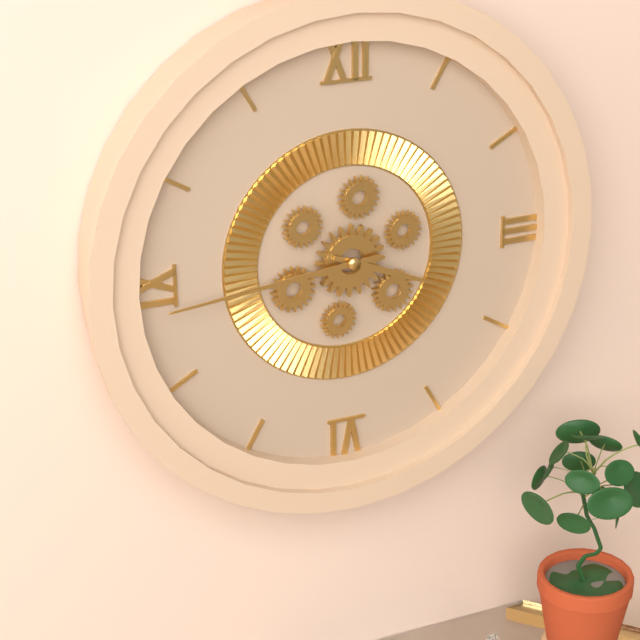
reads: 3,44
